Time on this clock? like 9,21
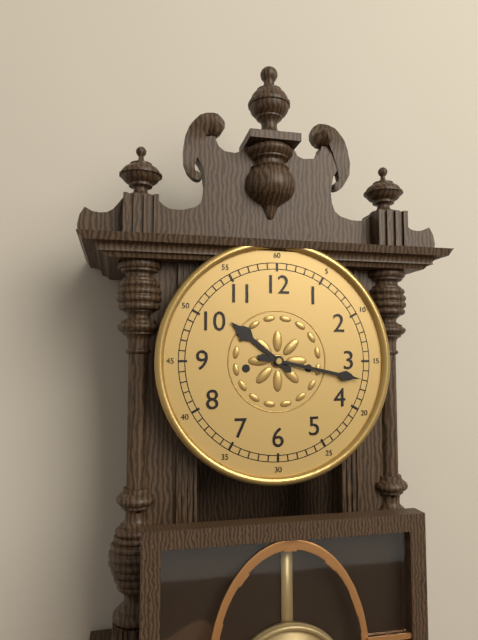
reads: 10,17
